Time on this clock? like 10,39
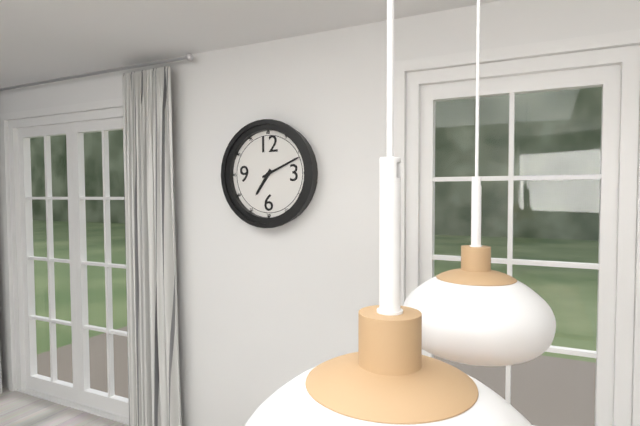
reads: 7,11
